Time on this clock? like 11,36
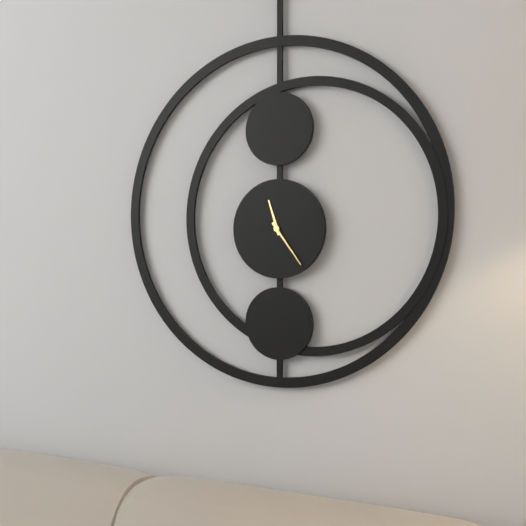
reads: 11,24
